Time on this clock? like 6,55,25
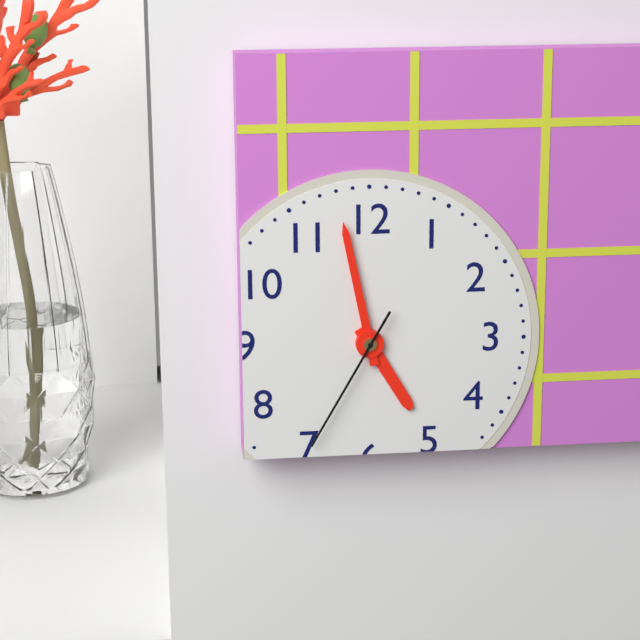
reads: 4,58,35
